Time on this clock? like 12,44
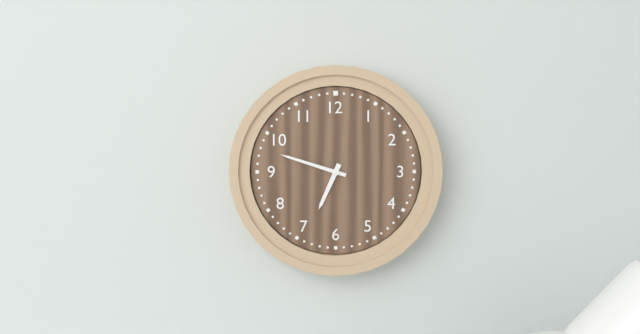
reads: 6,48
